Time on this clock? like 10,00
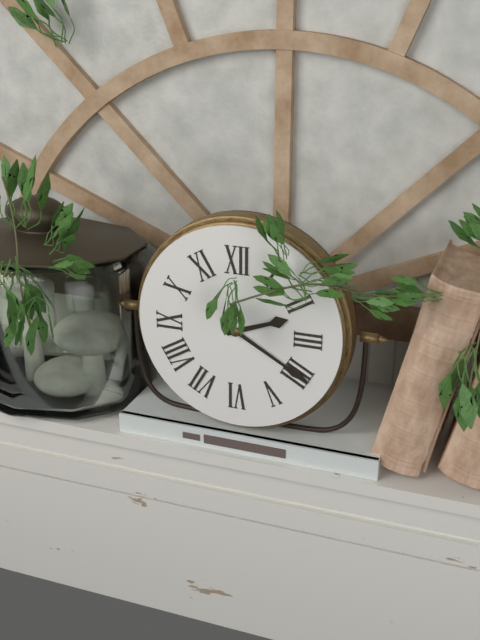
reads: 2,20
